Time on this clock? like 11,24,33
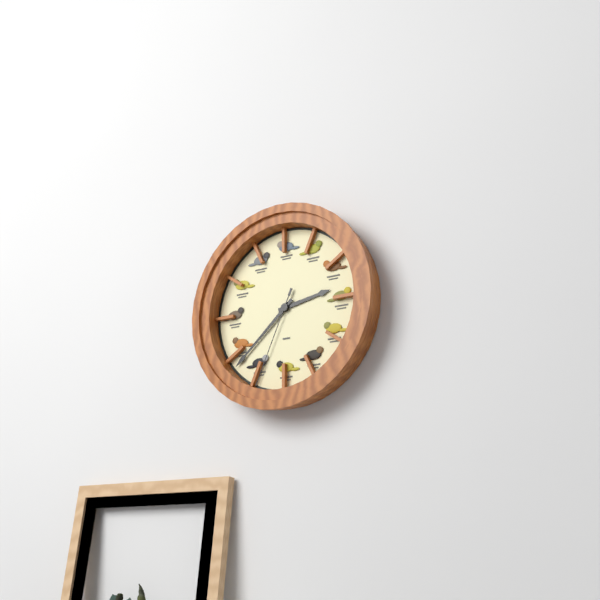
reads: 2,38,34
